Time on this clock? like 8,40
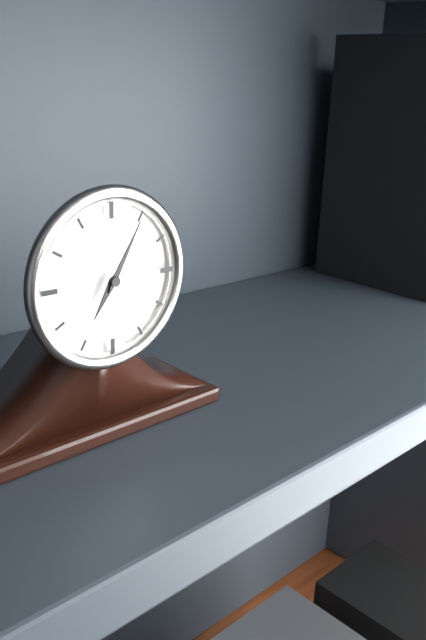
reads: 7,05
